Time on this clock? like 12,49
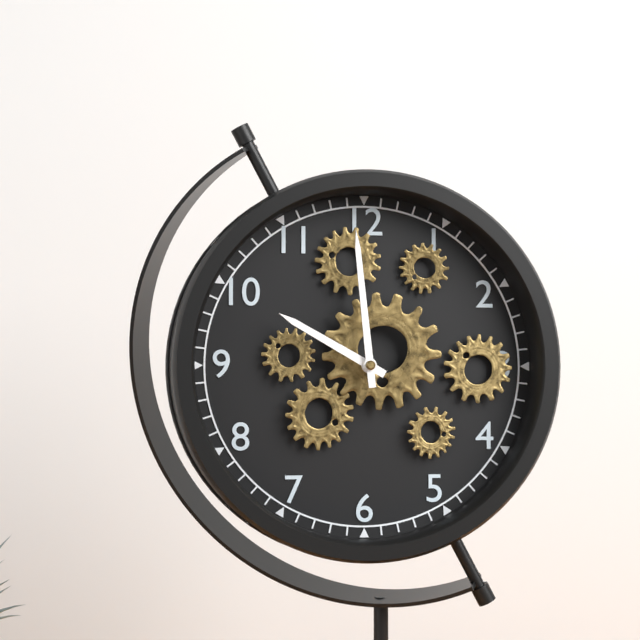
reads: 9,59
